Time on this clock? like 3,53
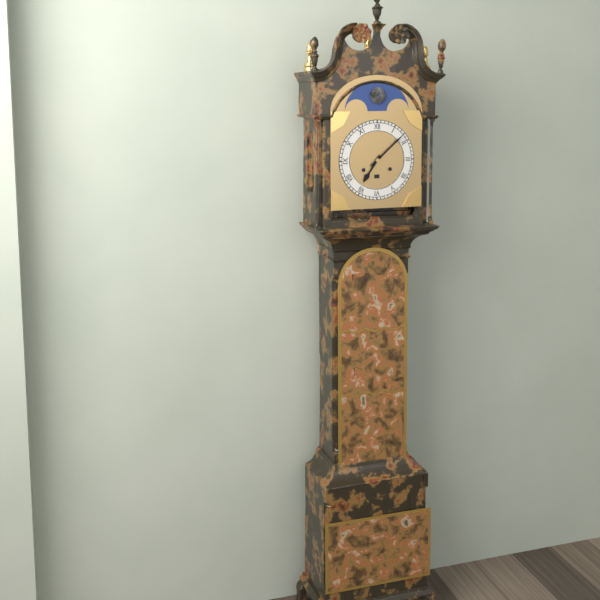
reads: 7,08
